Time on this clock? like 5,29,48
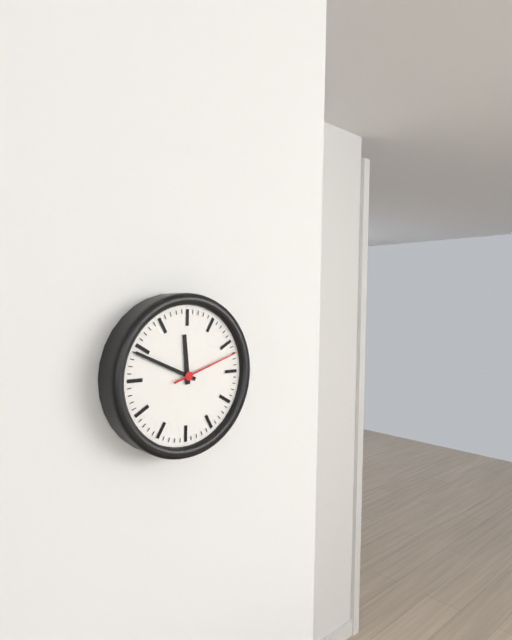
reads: 11,49,12
